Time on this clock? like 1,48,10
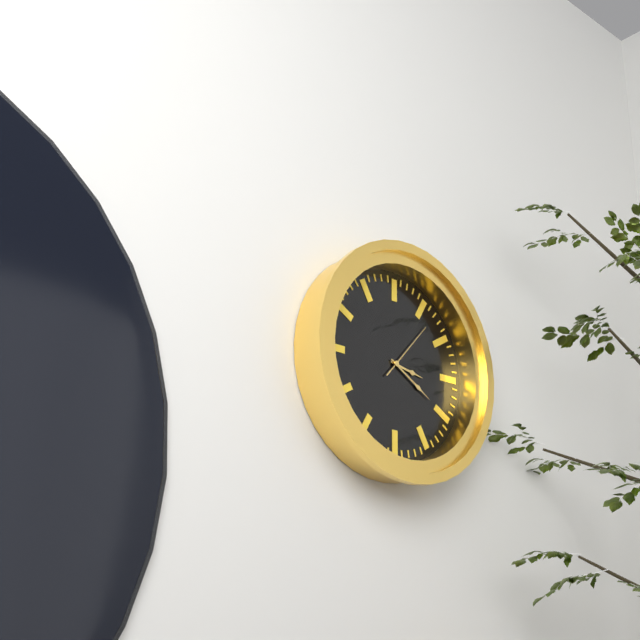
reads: 3,20,07
